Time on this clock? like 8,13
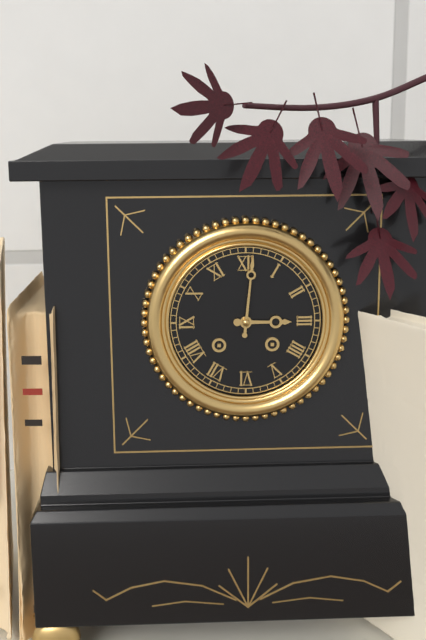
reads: 3,01
